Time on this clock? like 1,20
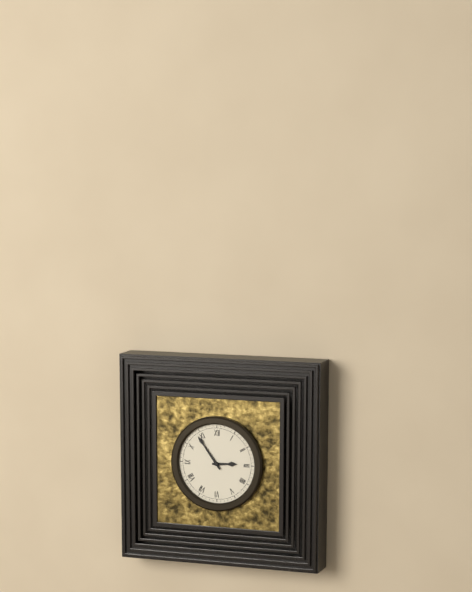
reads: 2,54
